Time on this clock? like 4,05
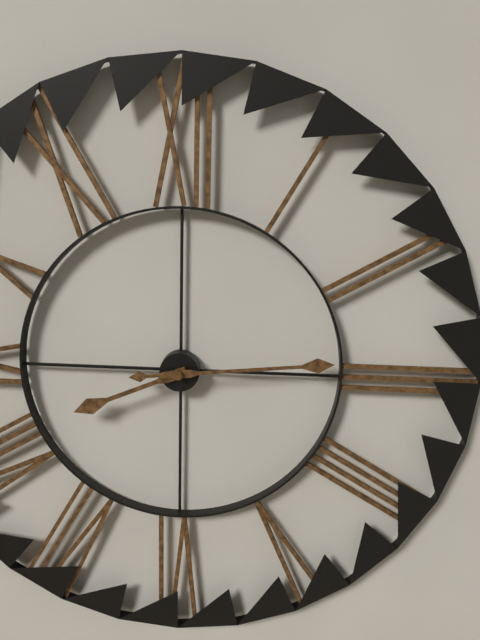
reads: 8,14
